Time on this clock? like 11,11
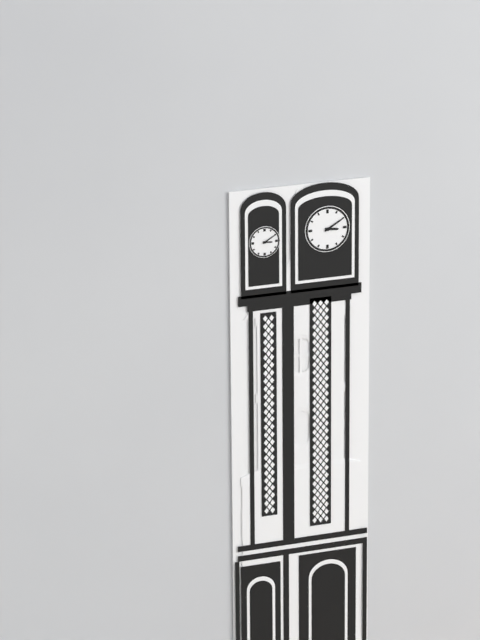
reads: 3,10
